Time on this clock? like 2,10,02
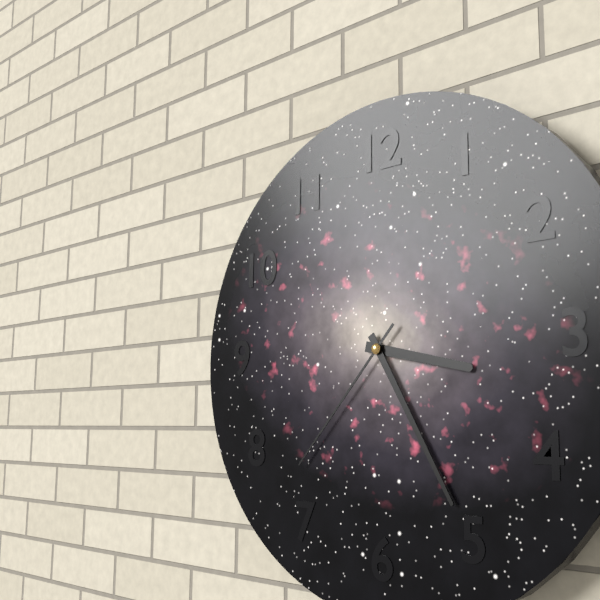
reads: 3,25,37
